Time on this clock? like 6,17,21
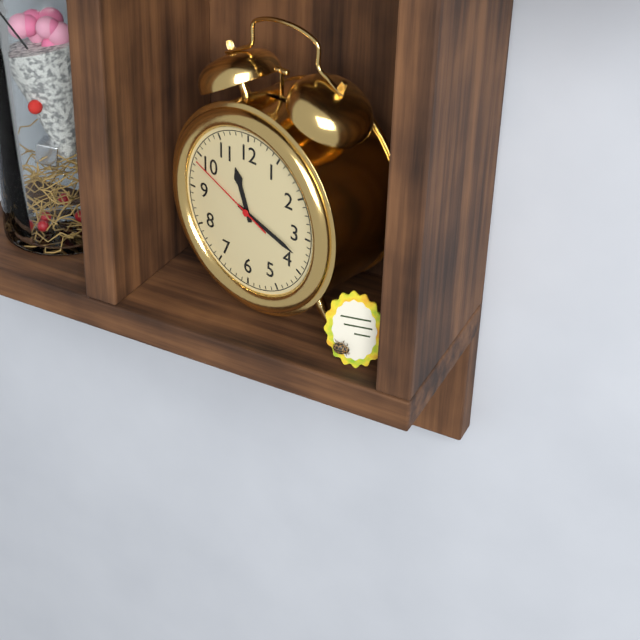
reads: 11,18,49
